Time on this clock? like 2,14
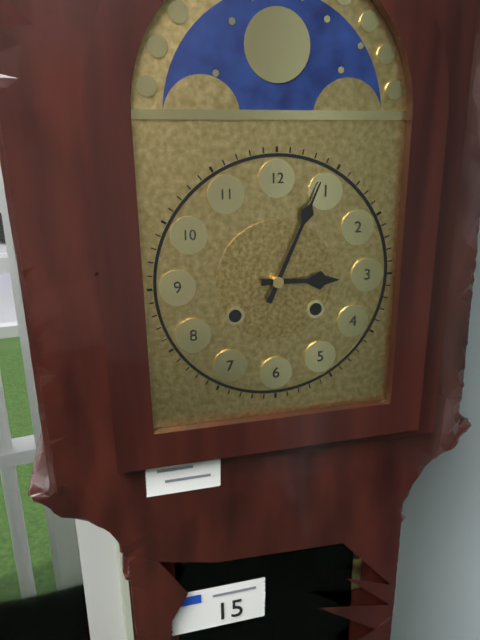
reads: 3,04
